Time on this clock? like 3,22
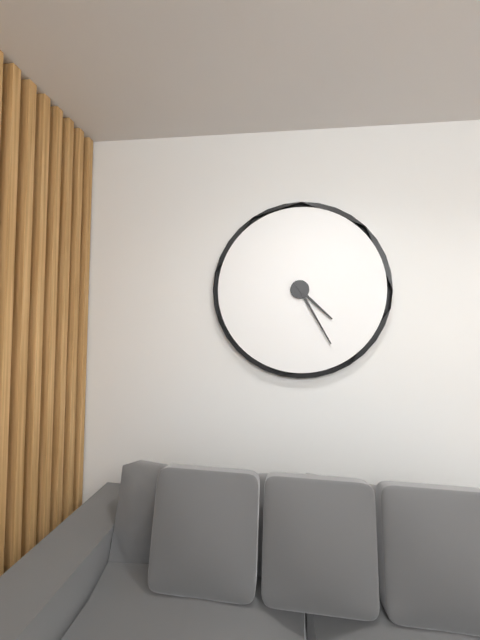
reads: 4,25
